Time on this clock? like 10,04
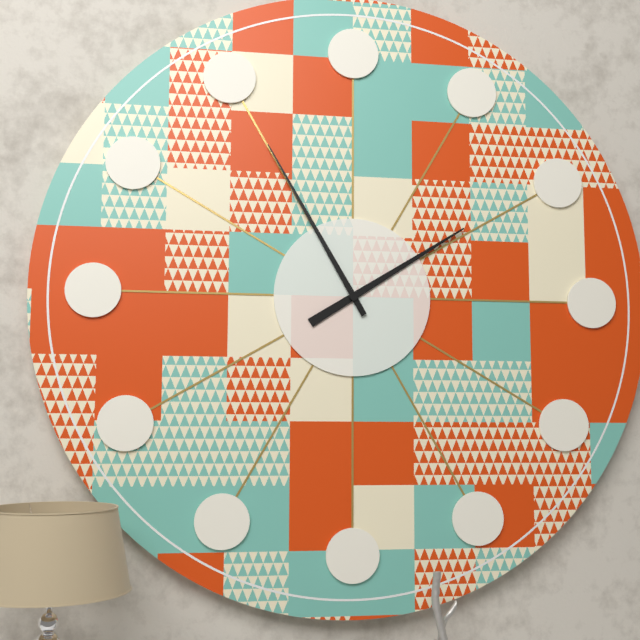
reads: 1,55
